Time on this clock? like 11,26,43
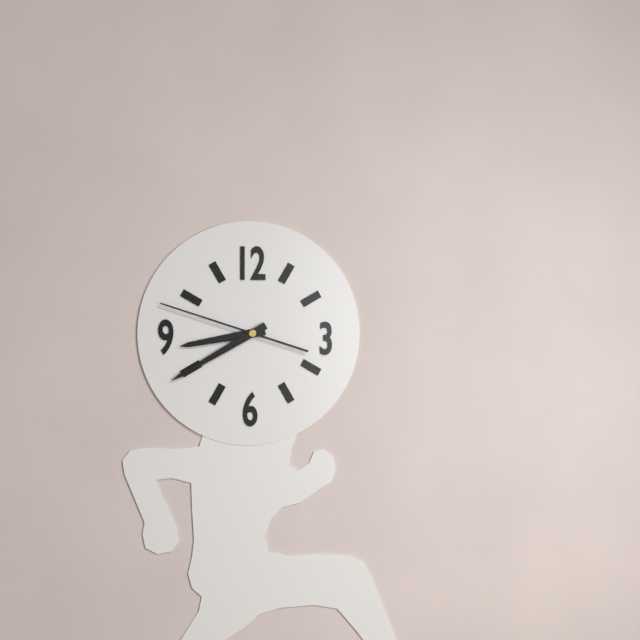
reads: 8,40,48
